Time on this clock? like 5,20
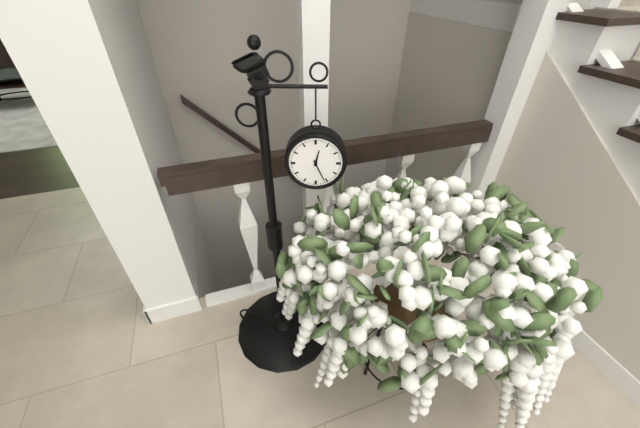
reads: 12,26
